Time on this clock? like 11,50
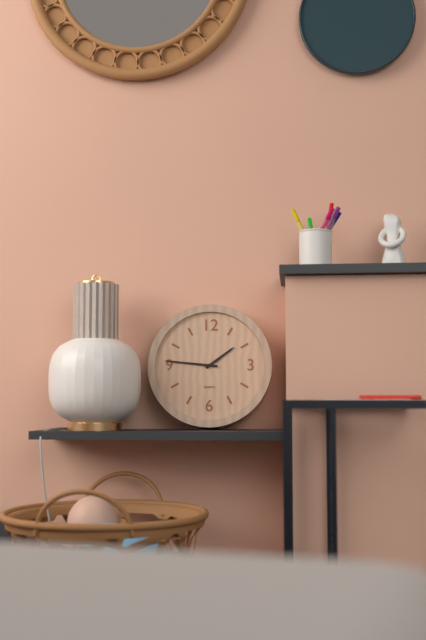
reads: 1,46
